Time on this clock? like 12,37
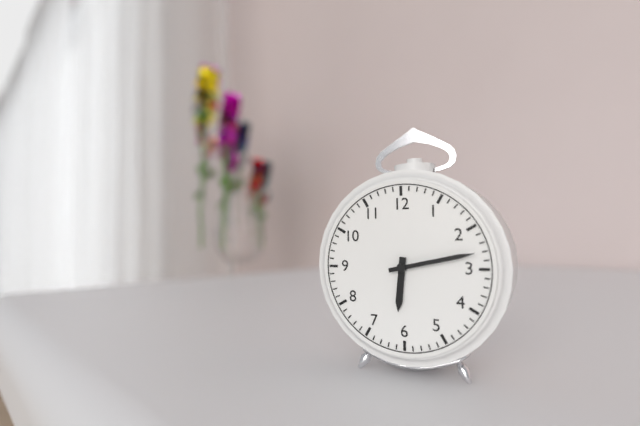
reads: 6,13
